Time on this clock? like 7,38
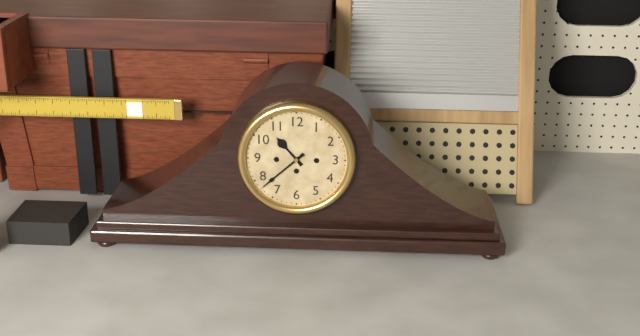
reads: 10,38
